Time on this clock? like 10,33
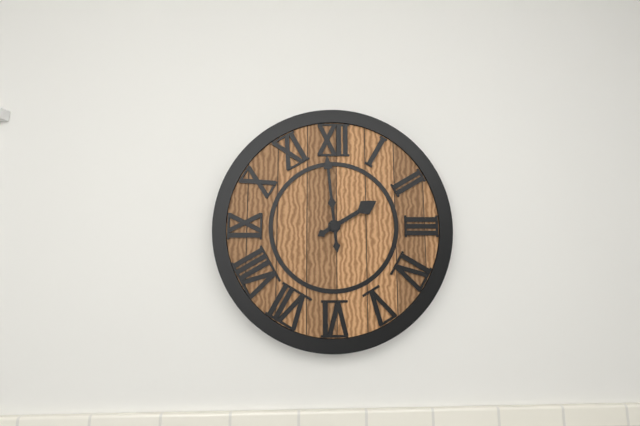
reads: 1,59
